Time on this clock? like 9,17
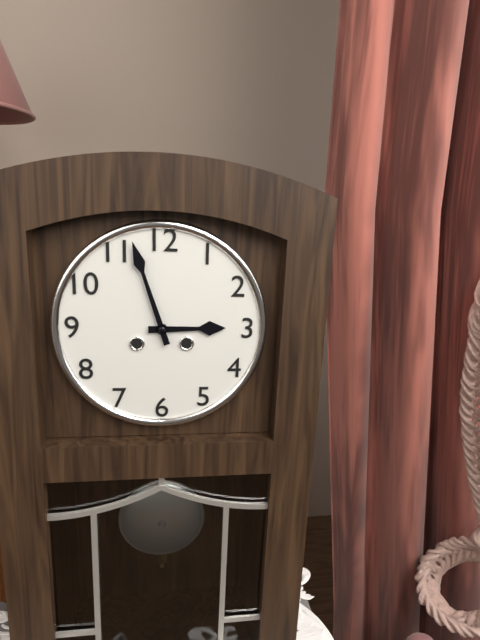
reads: 2,57
